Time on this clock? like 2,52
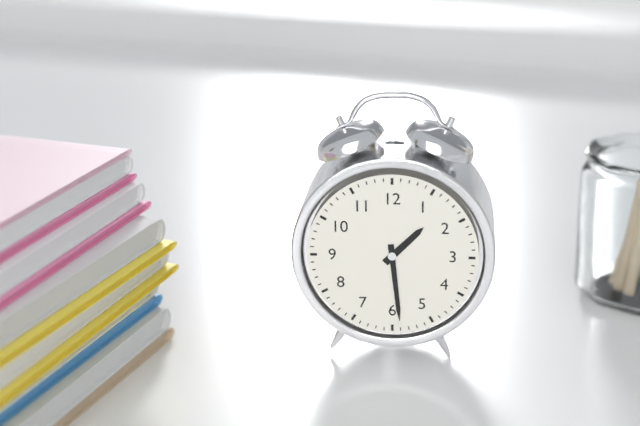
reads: 1,29
